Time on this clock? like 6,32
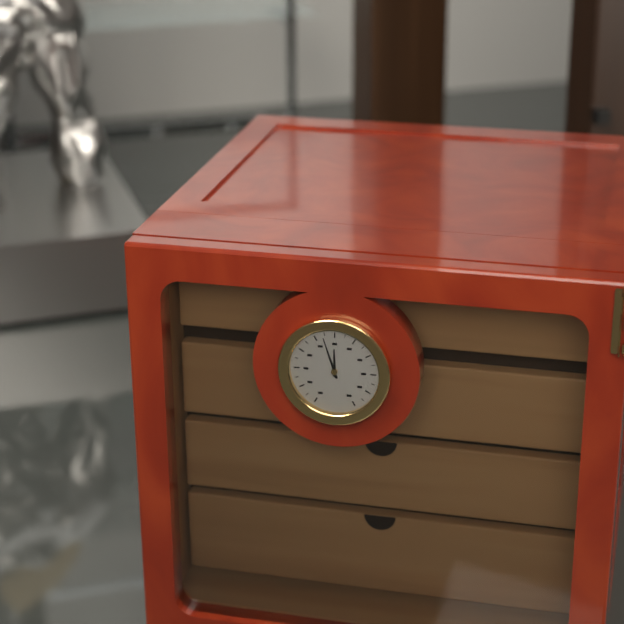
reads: 11,57
